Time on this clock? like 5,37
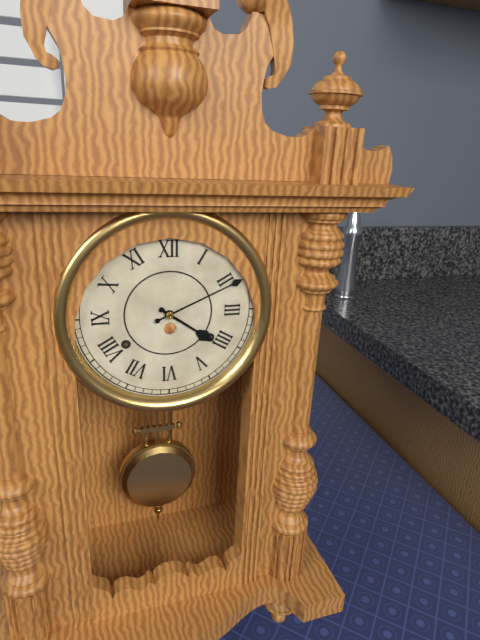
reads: 4,11
